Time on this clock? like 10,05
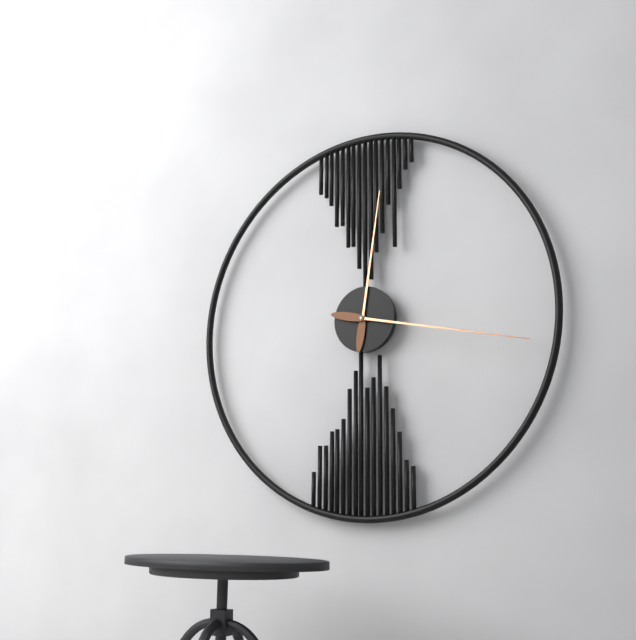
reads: 12,17
